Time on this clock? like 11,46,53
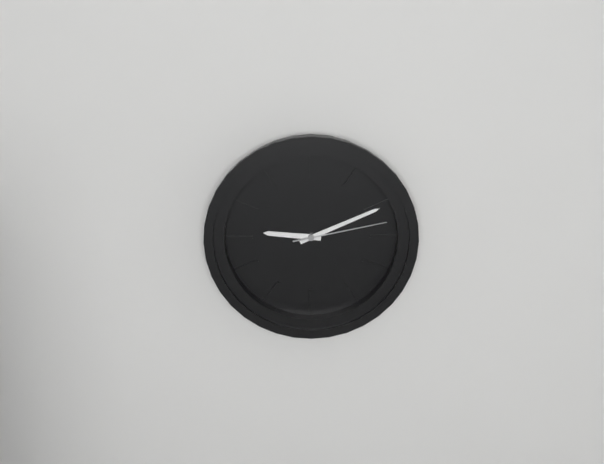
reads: 9,11,13
